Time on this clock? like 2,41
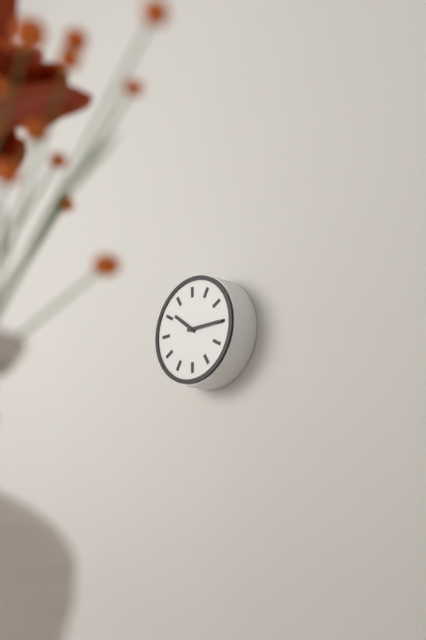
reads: 10,15
